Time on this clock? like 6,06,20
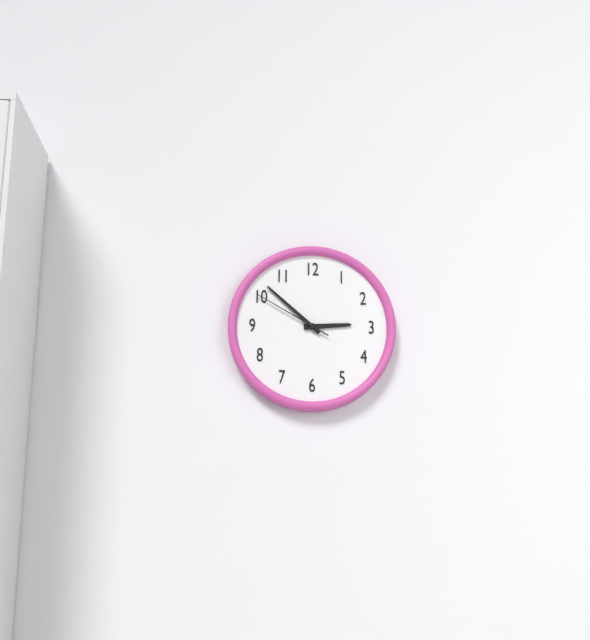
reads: 2,52,50
